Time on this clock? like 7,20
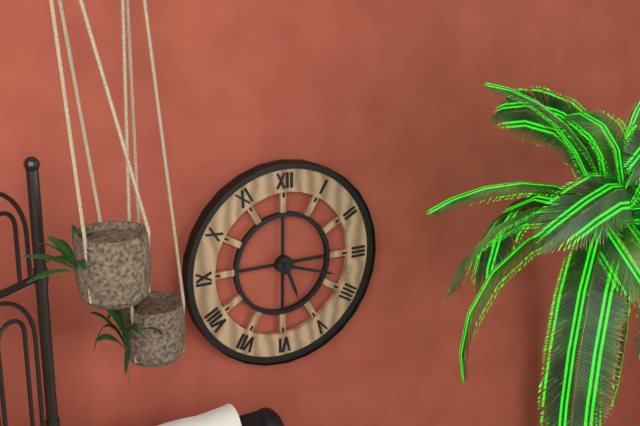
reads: 5,18
